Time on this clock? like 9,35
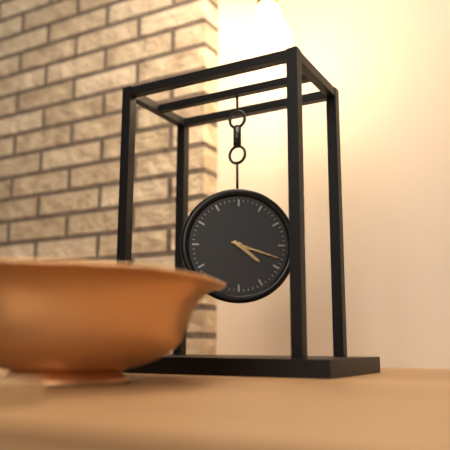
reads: 4,18
